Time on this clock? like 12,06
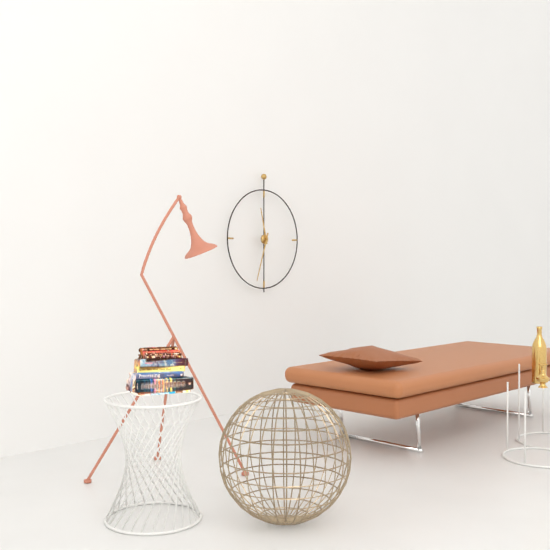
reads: 11,33
